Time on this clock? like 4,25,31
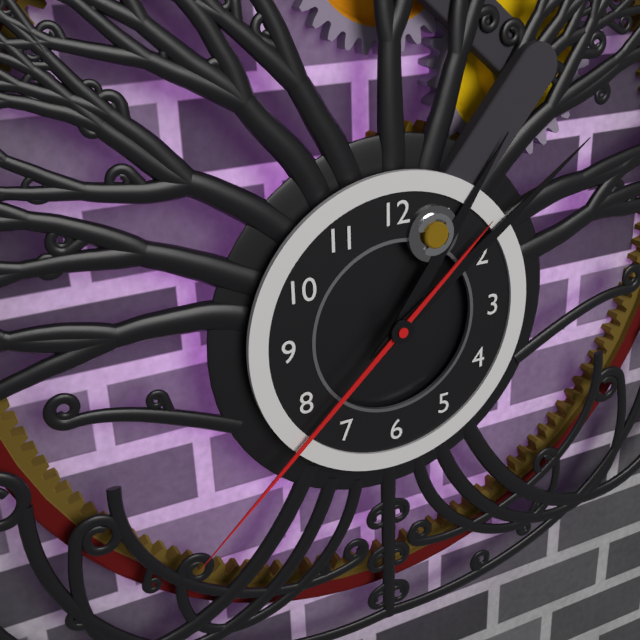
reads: 1,09,38
